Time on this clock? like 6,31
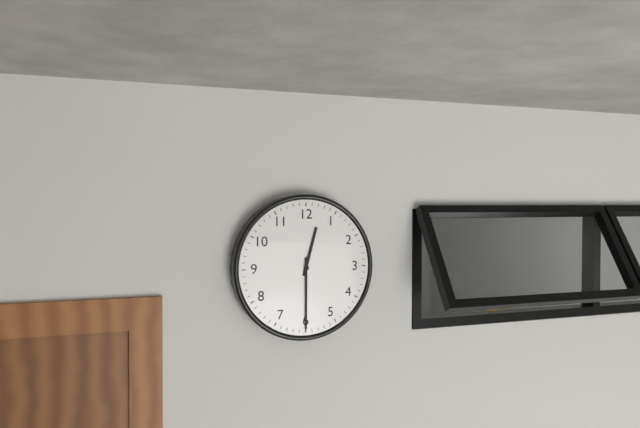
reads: 12,30
